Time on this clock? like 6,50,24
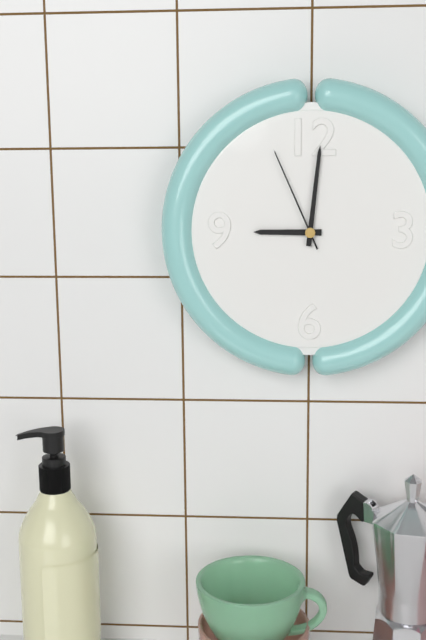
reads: 9,01,56
